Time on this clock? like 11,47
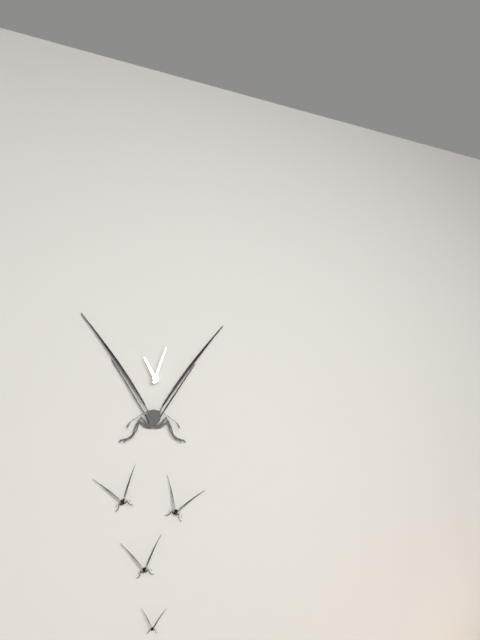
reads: 11,03
